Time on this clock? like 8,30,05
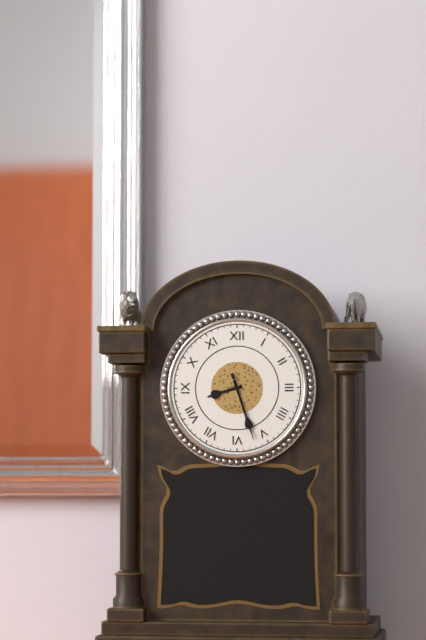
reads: 8,27,27
